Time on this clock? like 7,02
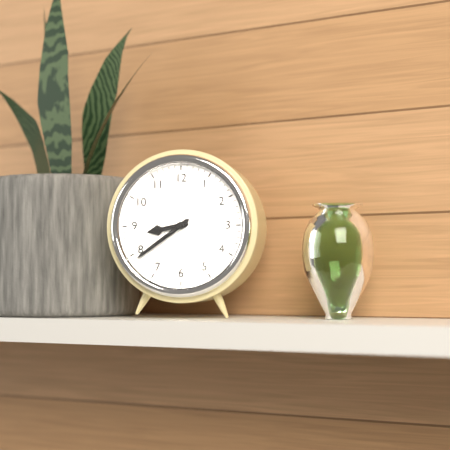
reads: 8,39
